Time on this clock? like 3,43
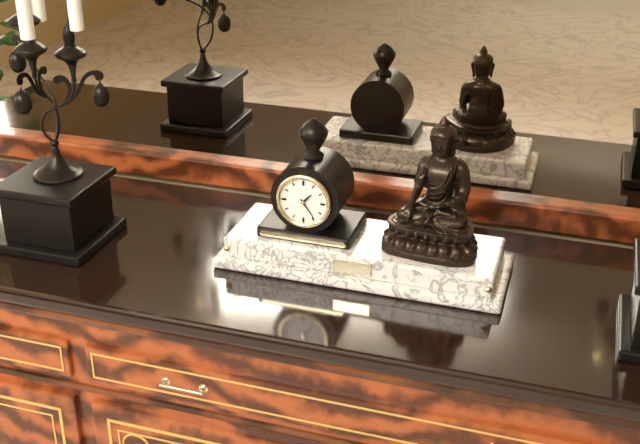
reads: 1,24
